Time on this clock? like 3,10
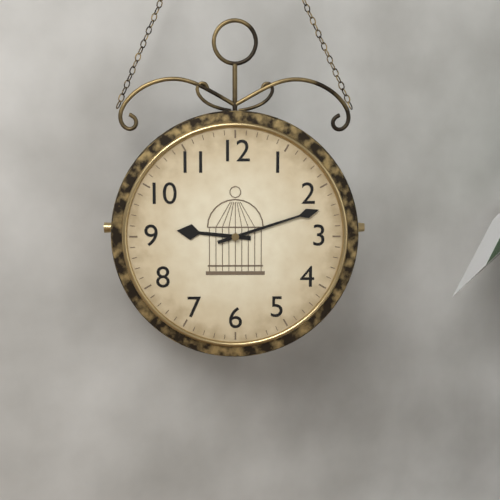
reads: 9,12
